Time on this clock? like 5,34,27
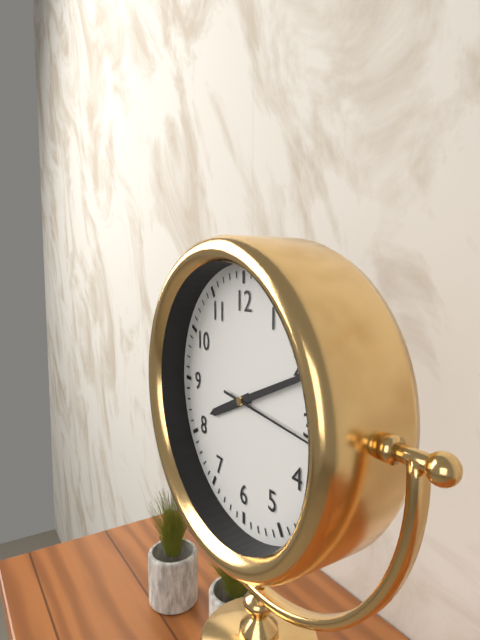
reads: 8,11,16
